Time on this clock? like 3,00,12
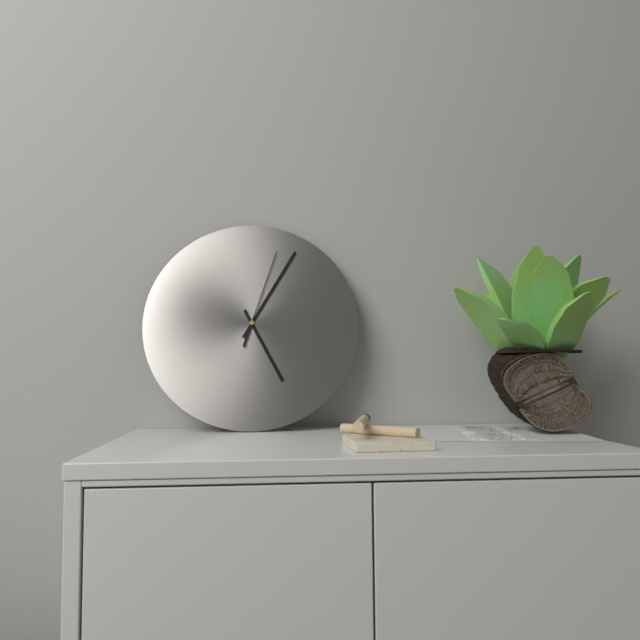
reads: 5,05,03
